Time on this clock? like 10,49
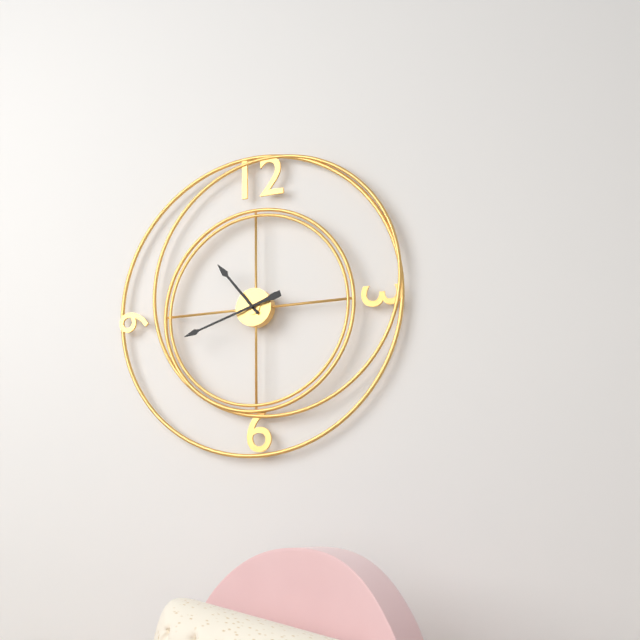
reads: 10,42
